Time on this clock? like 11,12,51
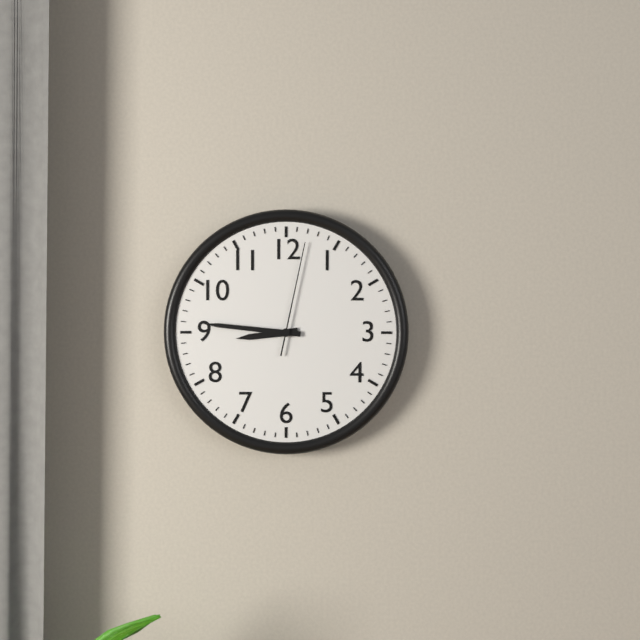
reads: 8,46,02
